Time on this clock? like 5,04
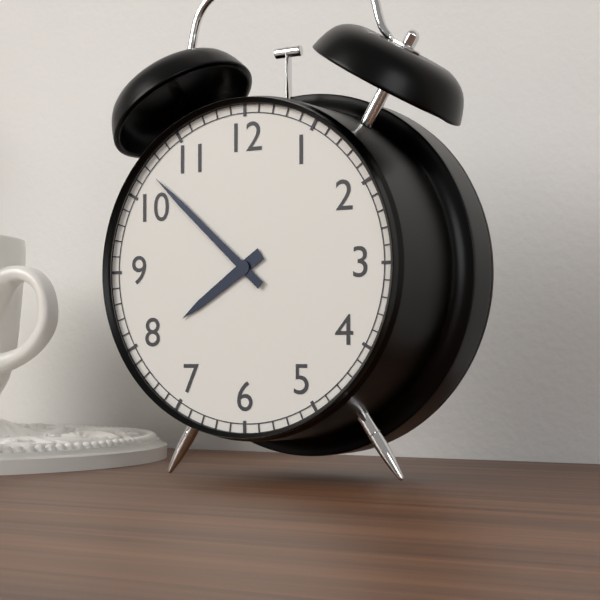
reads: 7,52
